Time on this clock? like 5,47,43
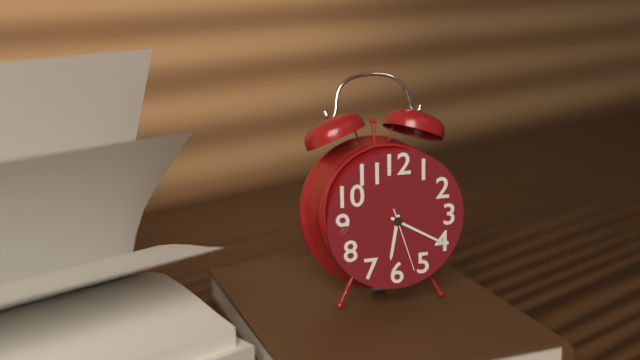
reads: 6,20,27
